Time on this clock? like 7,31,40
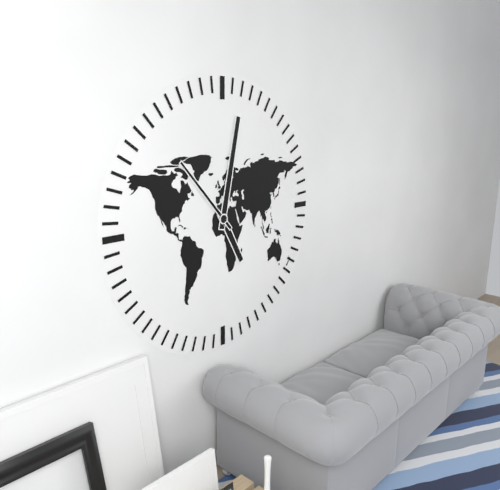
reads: 5,02,53
